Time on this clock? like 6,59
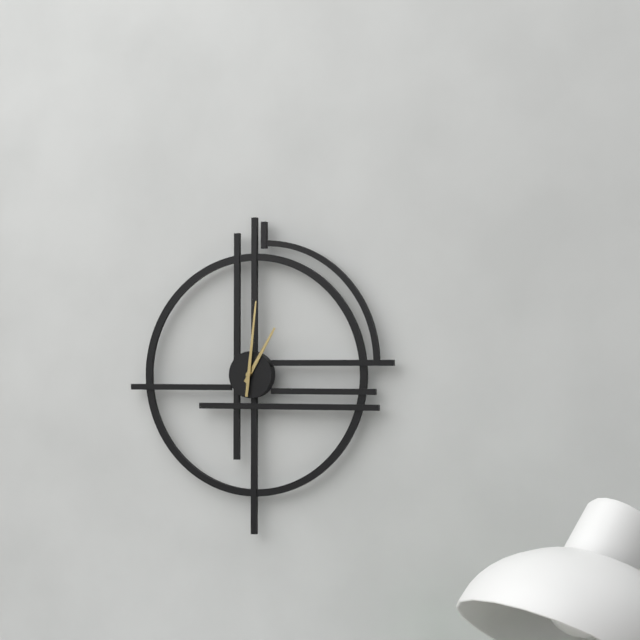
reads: 1,01
